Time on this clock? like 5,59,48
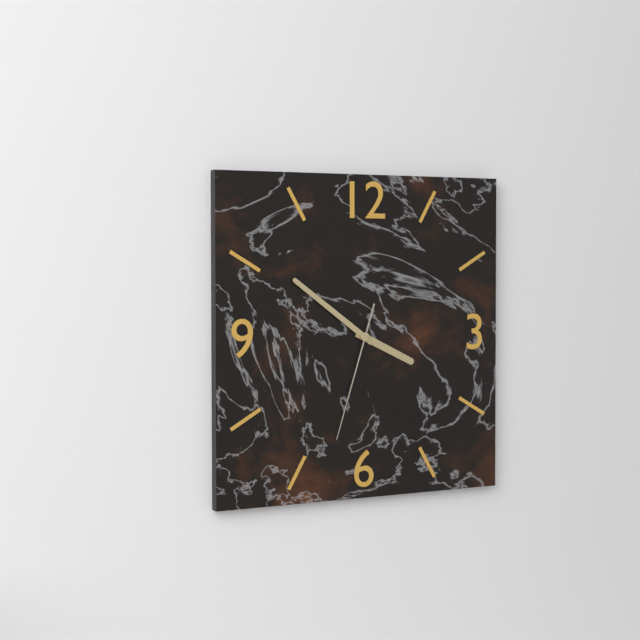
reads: 3,51,33
